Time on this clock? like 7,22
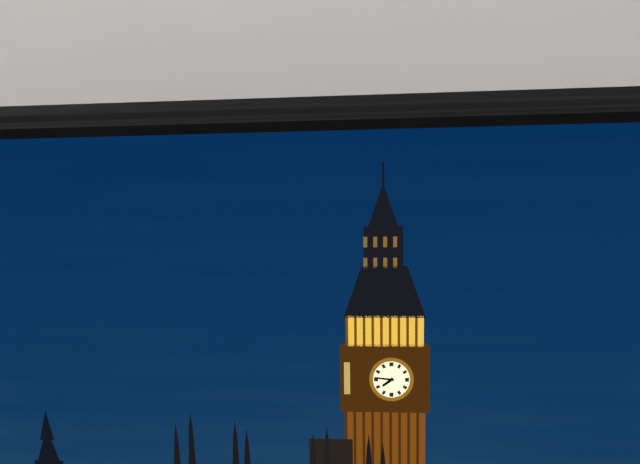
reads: 7,46
